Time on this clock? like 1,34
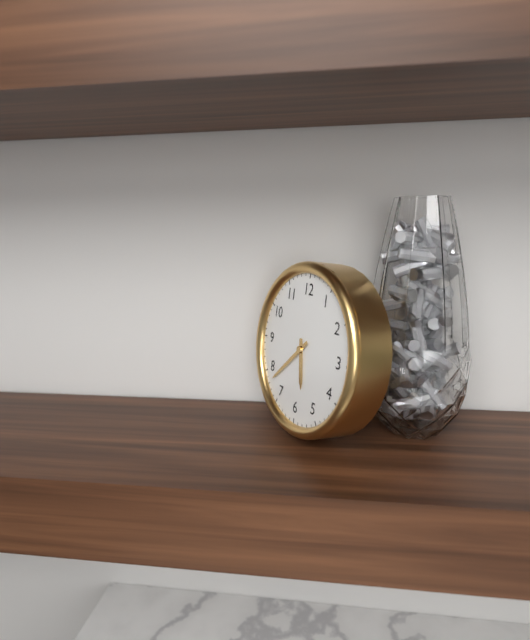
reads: 5,38
